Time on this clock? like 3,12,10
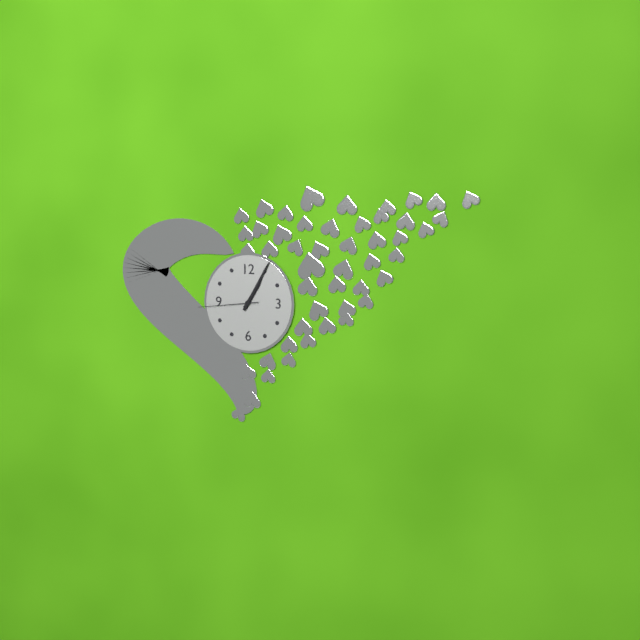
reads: 1,05,44
